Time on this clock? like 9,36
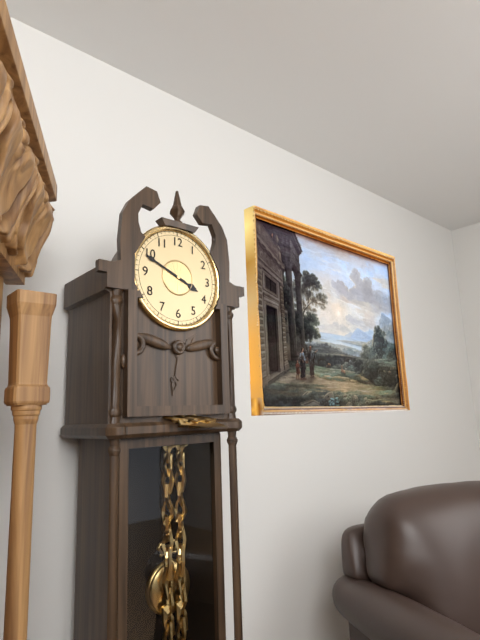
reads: 3,49
